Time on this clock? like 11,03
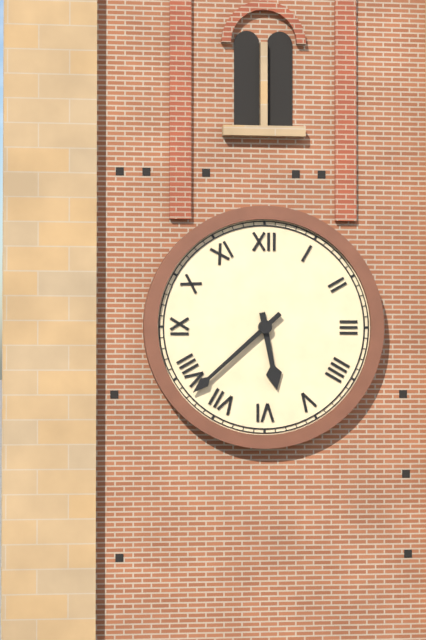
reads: 5,38
